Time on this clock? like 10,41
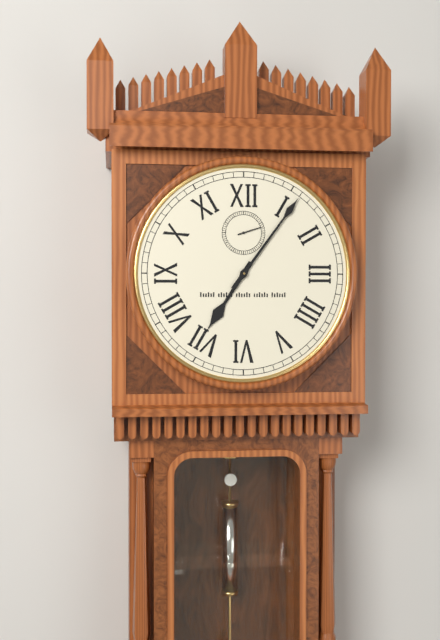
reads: 7,06
